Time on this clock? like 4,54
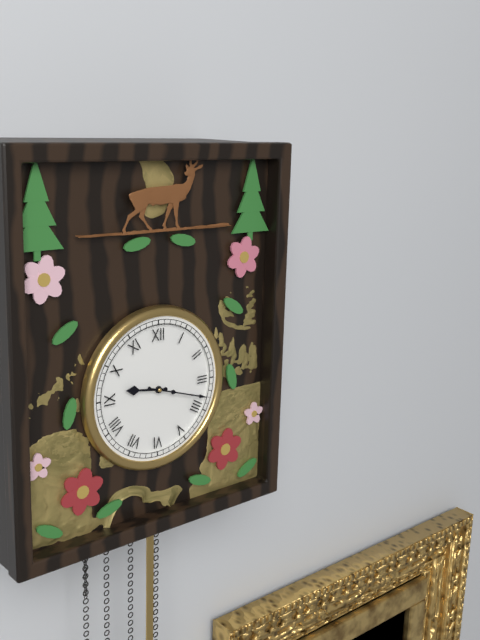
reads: 9,18
